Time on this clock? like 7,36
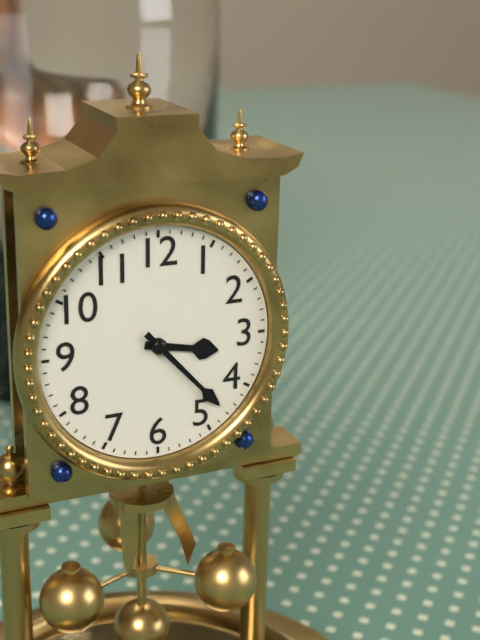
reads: 3,23
